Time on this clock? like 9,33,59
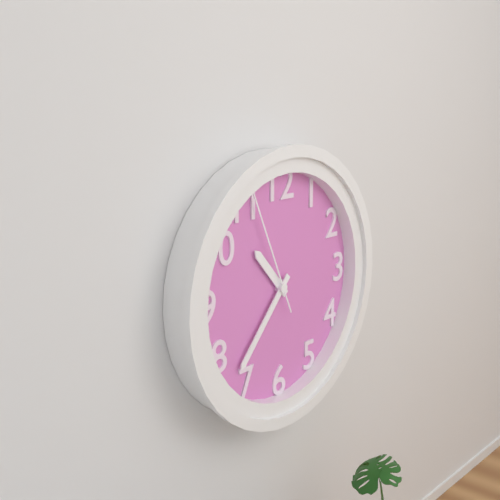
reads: 10,37,56
